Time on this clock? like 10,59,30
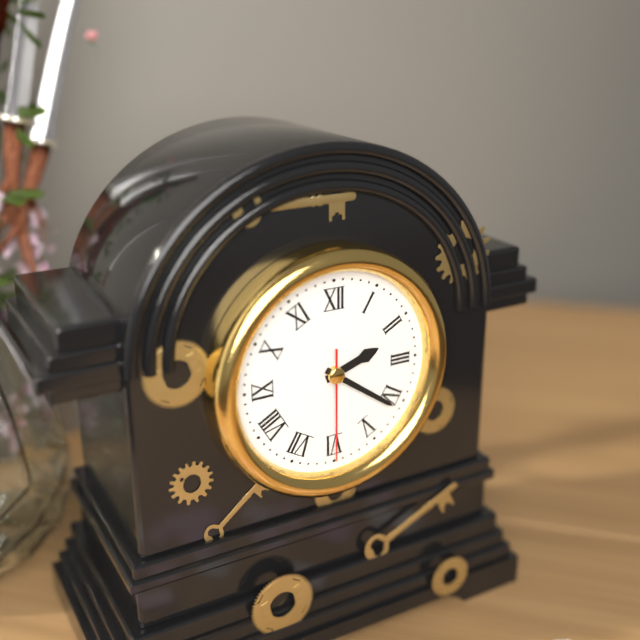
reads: 2,21,30
